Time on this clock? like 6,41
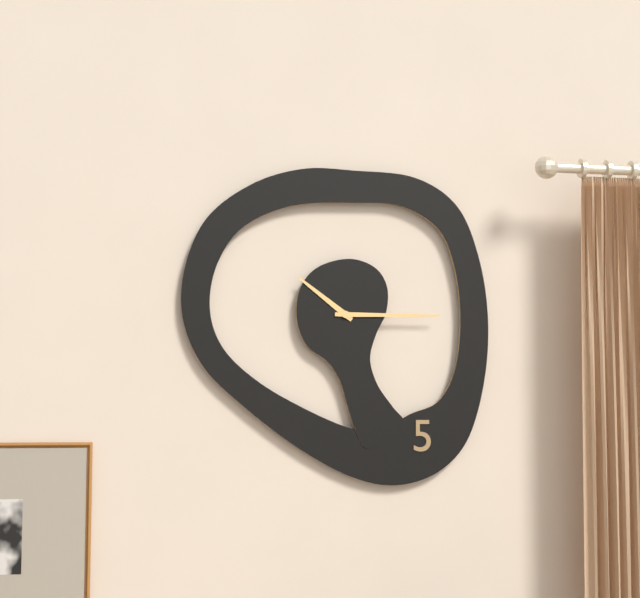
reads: 10,15
